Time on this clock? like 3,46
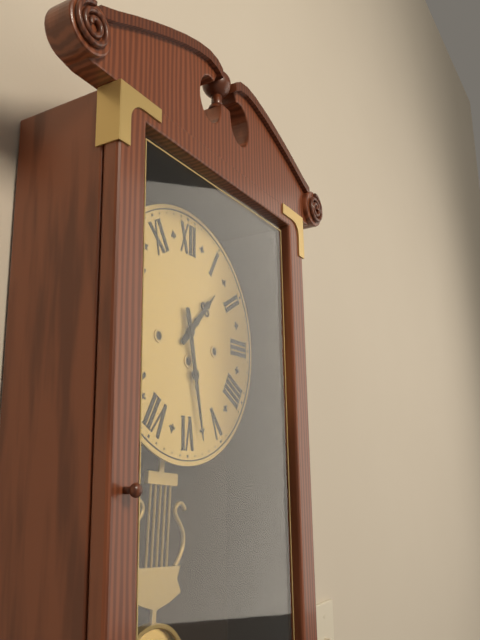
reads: 1,28
